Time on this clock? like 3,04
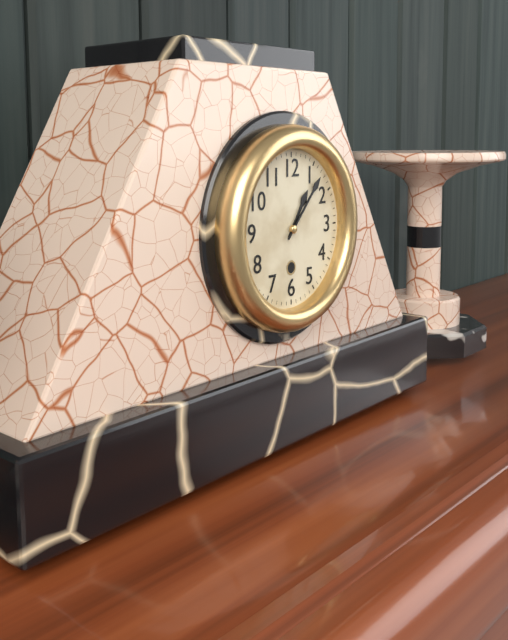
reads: 1,07
